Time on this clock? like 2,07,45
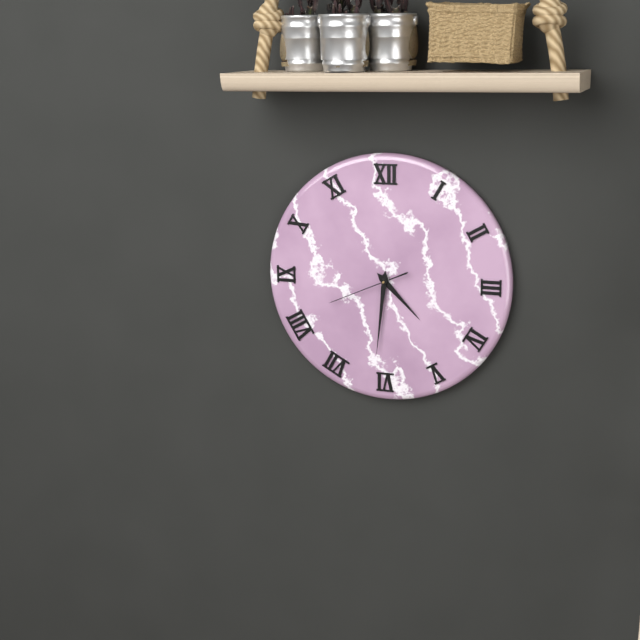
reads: 4,31,41
